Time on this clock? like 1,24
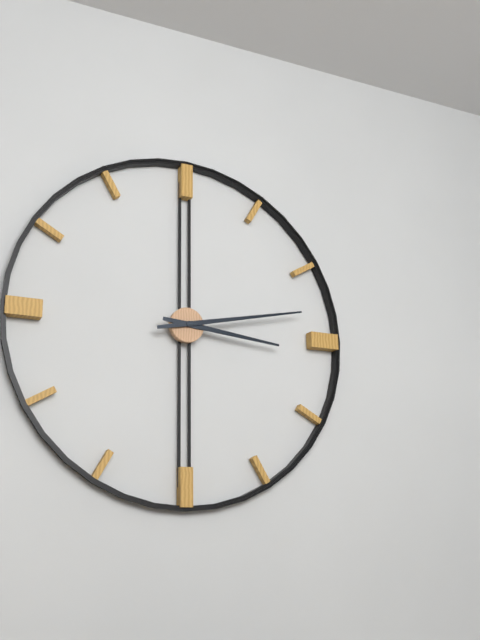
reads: 3,13
